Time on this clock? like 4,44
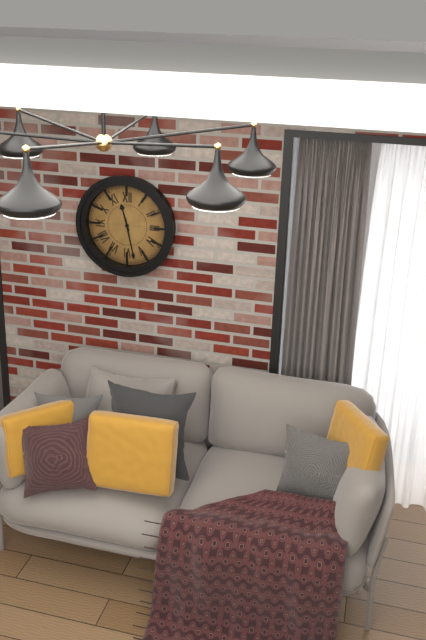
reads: 11,28
